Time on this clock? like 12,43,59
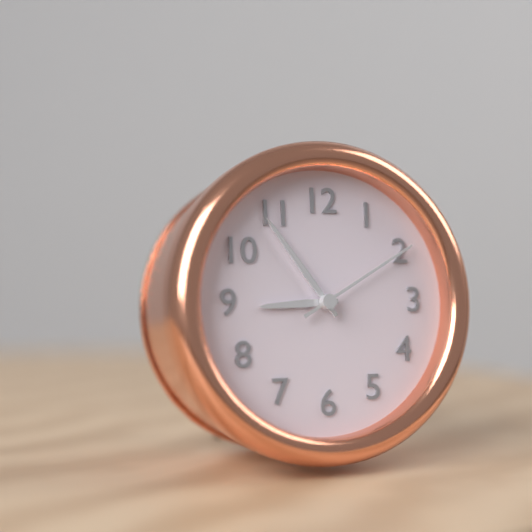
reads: 8,54,10
